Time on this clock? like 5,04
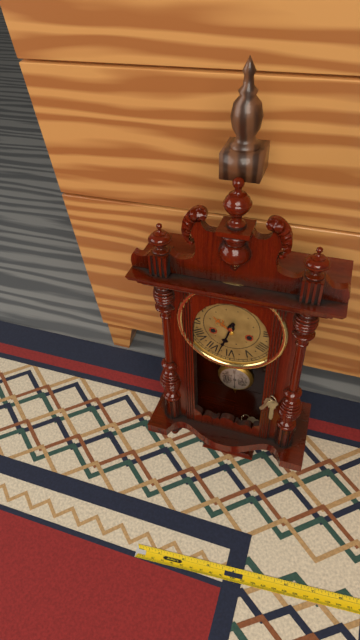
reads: 6,33
